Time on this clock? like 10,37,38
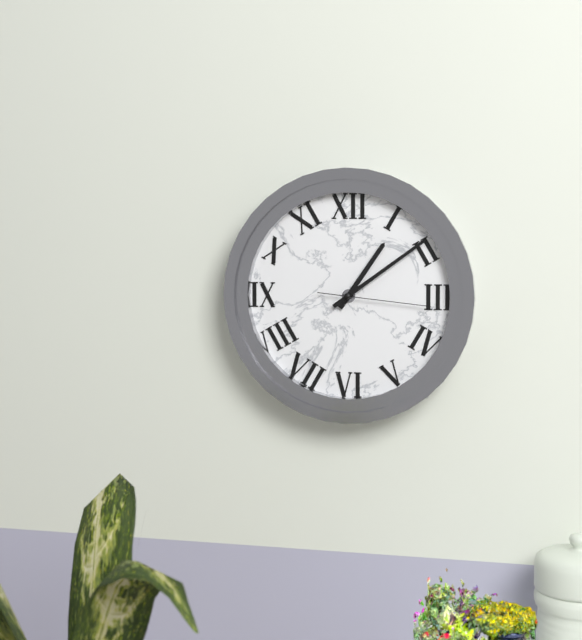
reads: 1,09,16
